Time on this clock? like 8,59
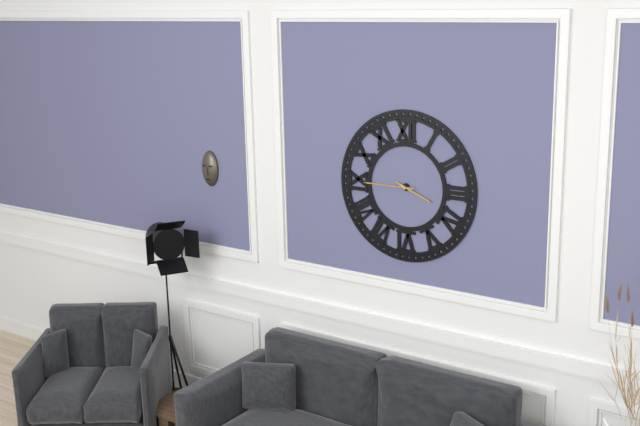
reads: 3,45
